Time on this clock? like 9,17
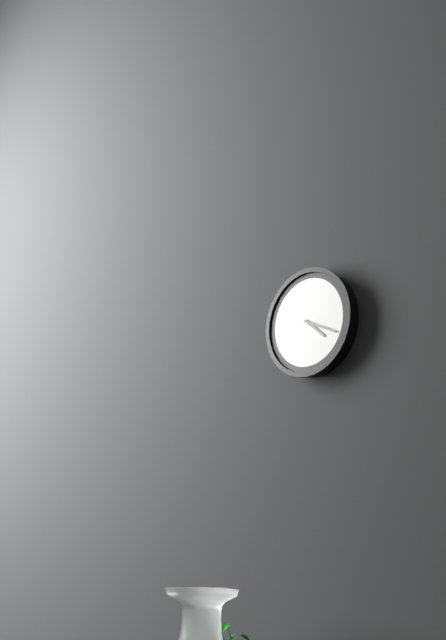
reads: 4,19
